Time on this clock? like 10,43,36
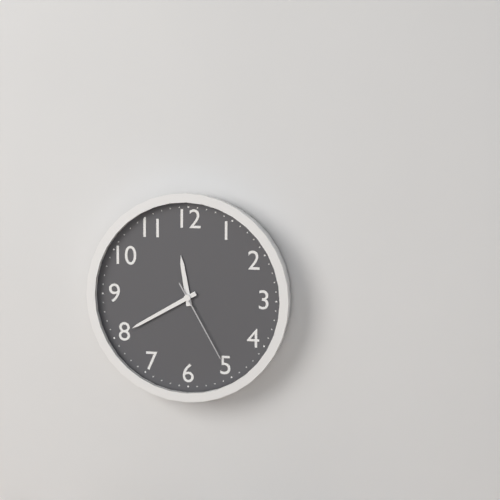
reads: 11,40,25
